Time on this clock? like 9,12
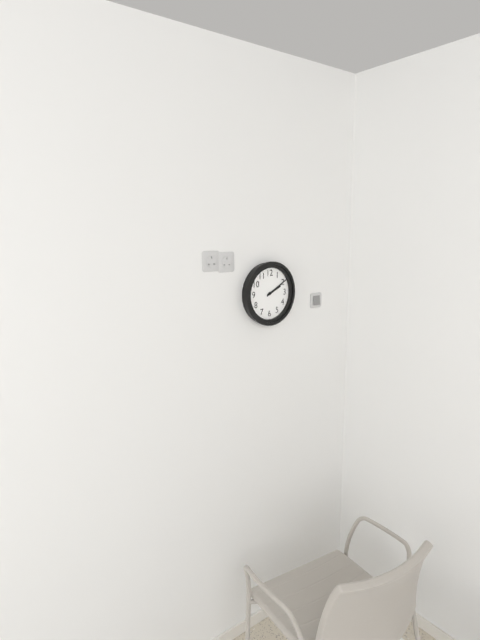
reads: 2,10
